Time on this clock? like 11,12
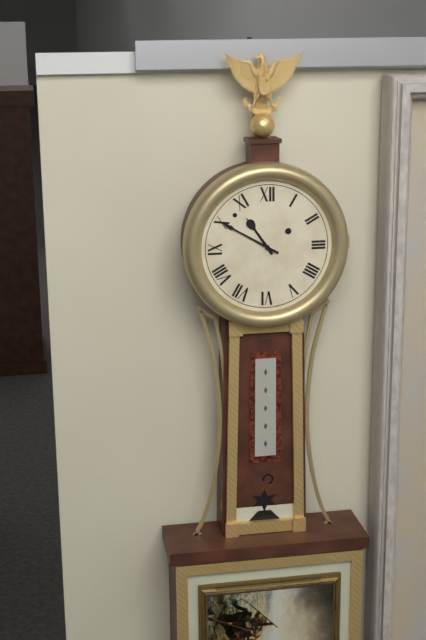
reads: 10,50
